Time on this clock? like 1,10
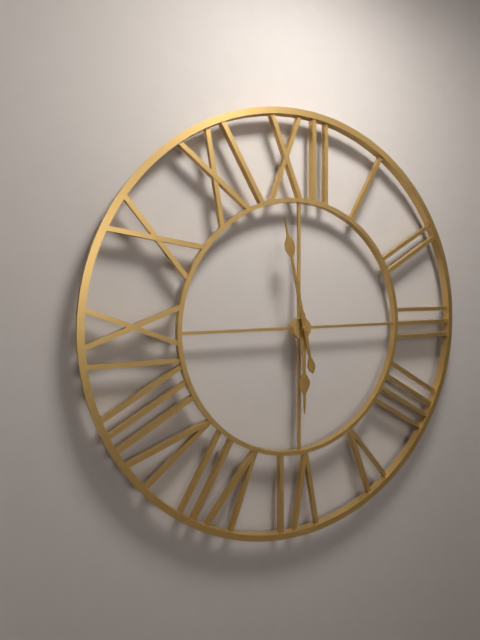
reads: 5,58
